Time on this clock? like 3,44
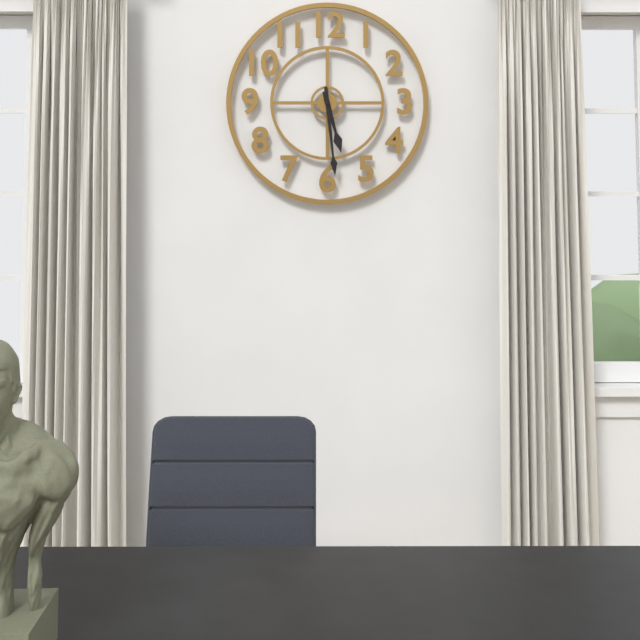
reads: 5,29
